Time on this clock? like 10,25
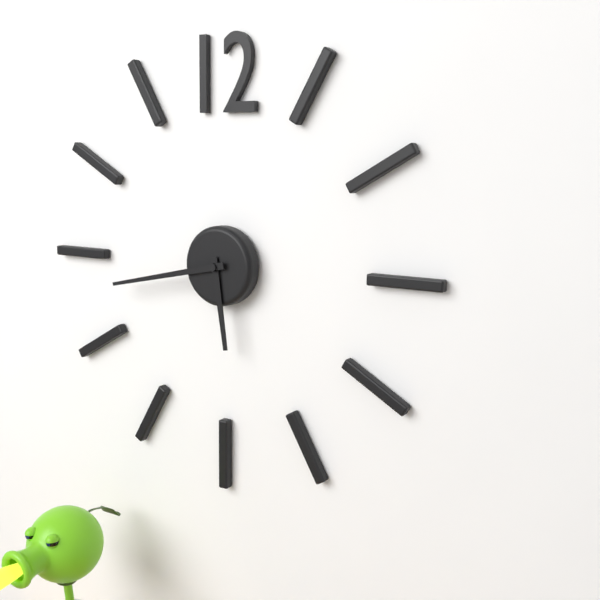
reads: 5,43
